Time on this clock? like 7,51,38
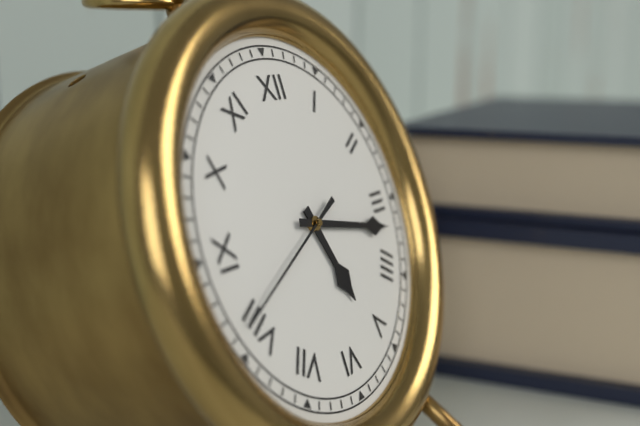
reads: 5,17,41
